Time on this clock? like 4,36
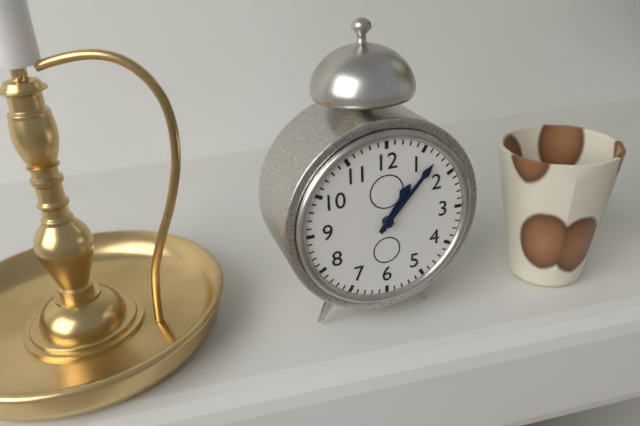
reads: 1,07
